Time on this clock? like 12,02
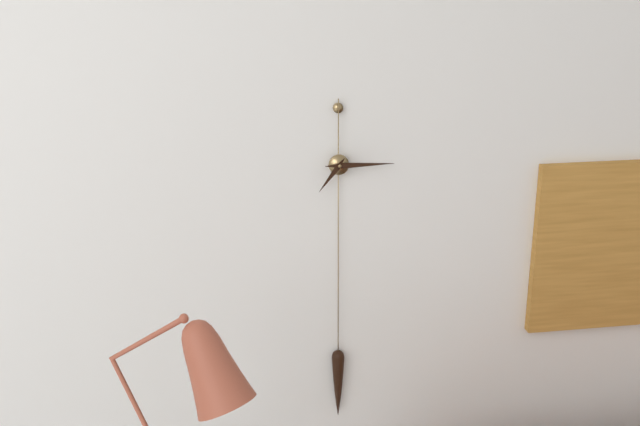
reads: 7,15
